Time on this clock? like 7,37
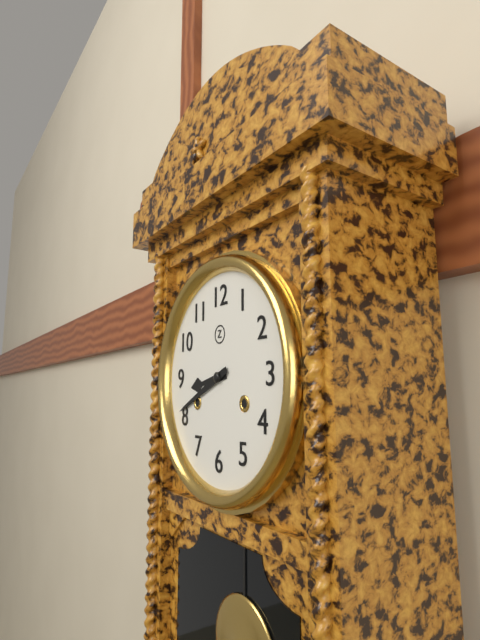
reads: 8,41
